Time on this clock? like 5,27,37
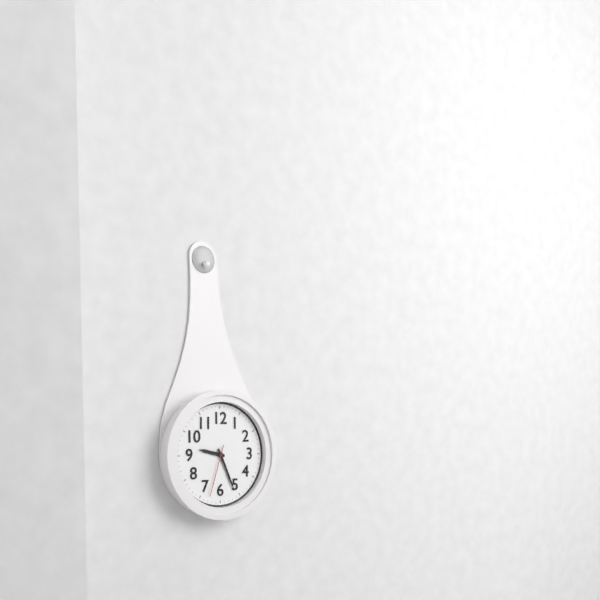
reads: 9,26,33
